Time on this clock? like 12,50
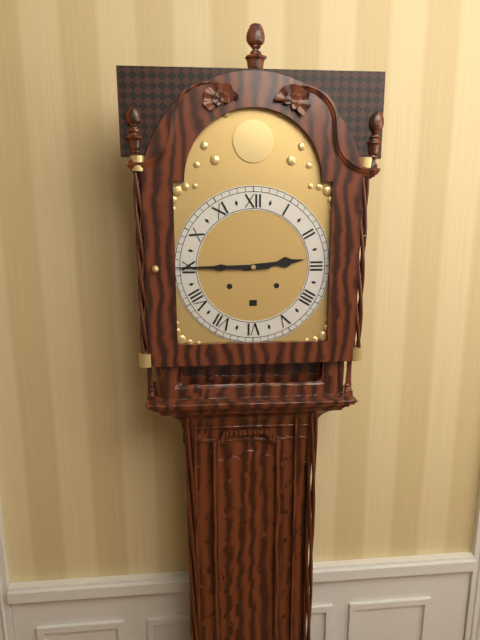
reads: 2,45
